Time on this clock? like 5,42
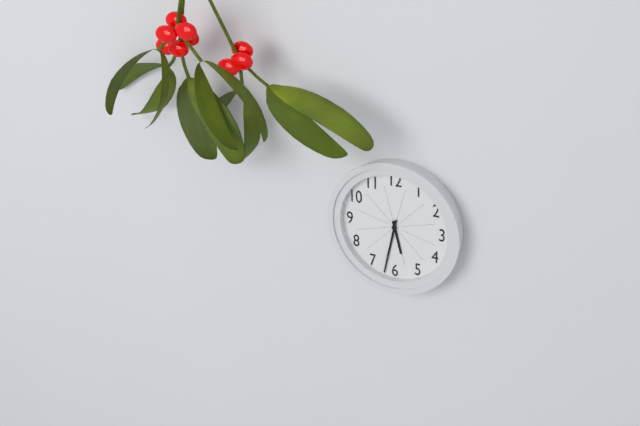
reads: 5,32
